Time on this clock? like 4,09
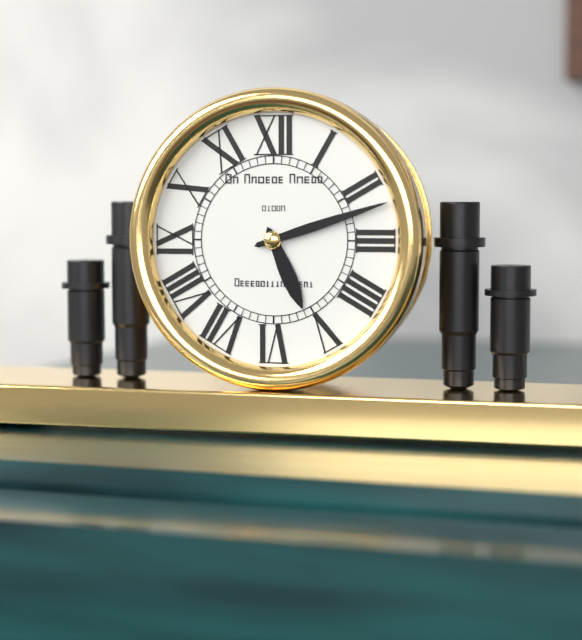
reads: 5,12
